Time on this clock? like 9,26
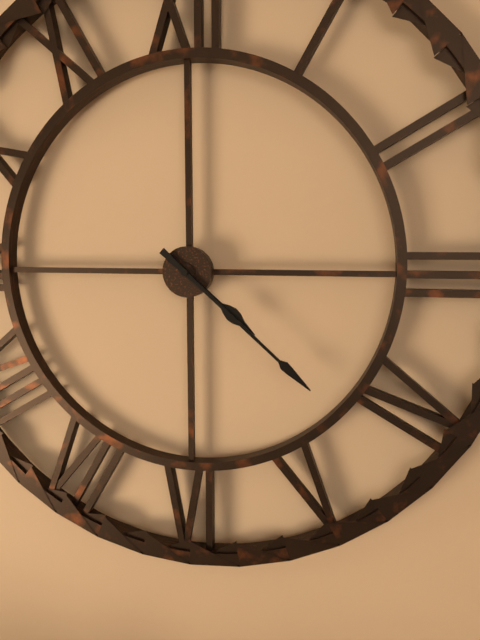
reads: 4,22
